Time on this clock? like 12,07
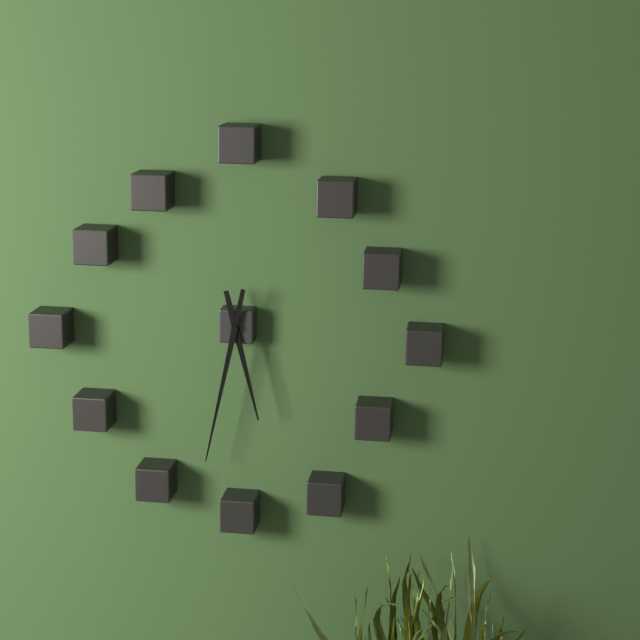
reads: 5,32
